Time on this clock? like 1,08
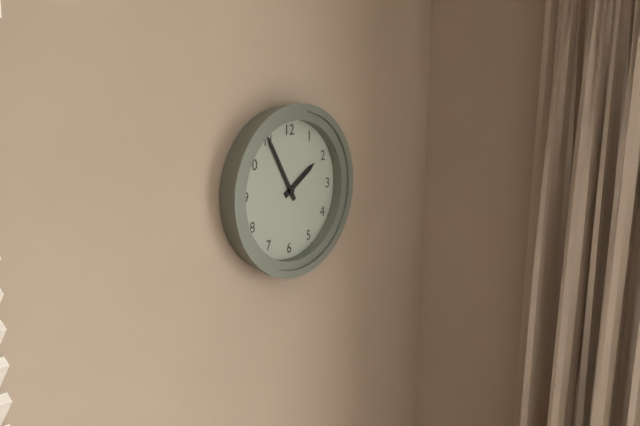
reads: 1,55
